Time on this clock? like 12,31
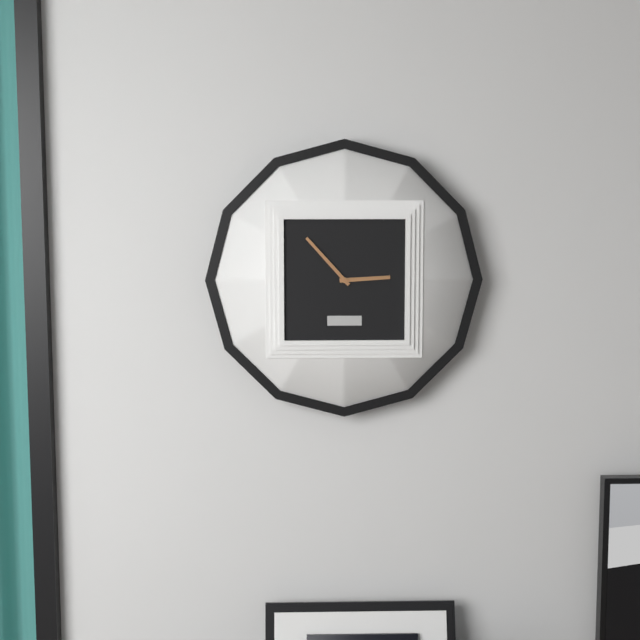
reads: 2,53
